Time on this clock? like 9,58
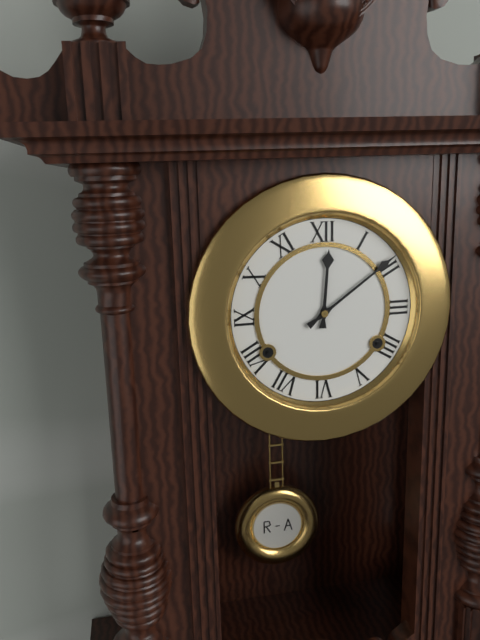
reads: 12,09
